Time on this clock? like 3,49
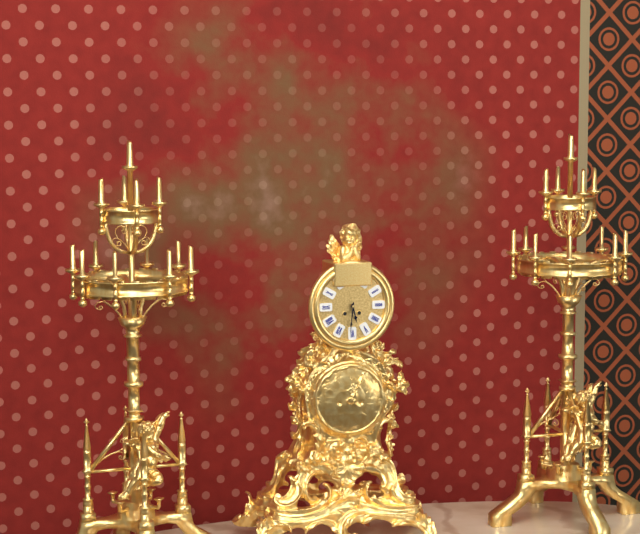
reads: 5,31
